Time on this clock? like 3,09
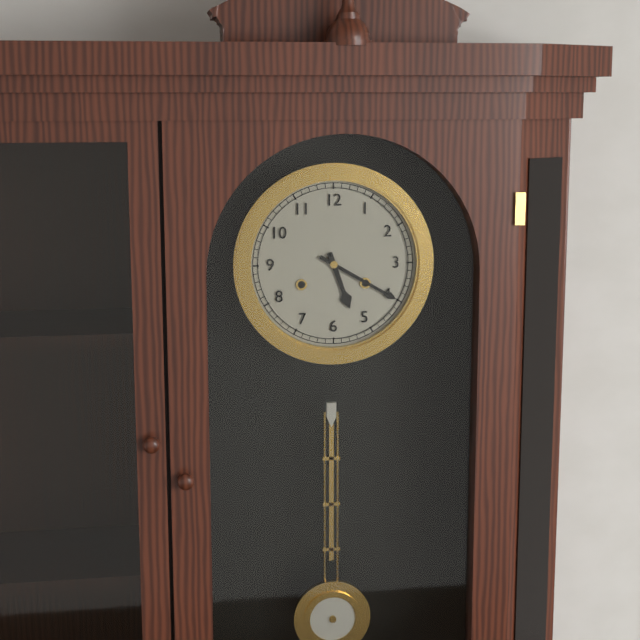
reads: 5,20
